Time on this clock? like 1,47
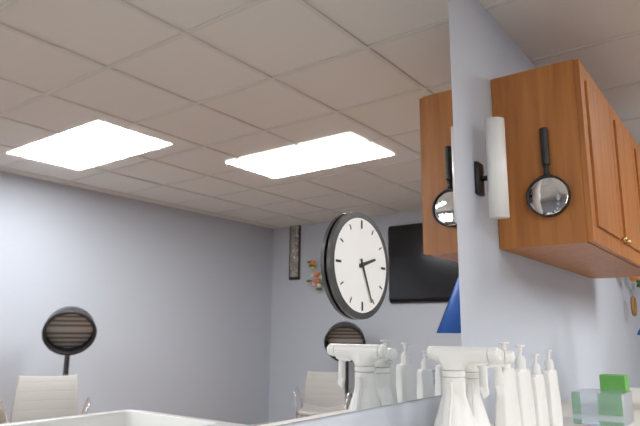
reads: 2,26
